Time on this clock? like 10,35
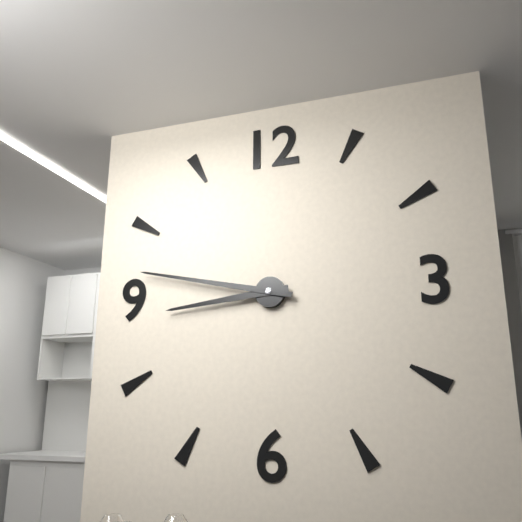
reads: 8,47
